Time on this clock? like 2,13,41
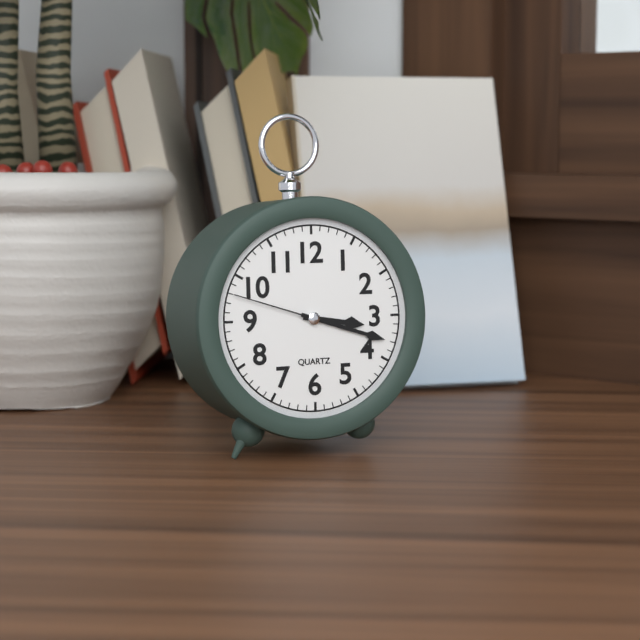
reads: 3,18,48
